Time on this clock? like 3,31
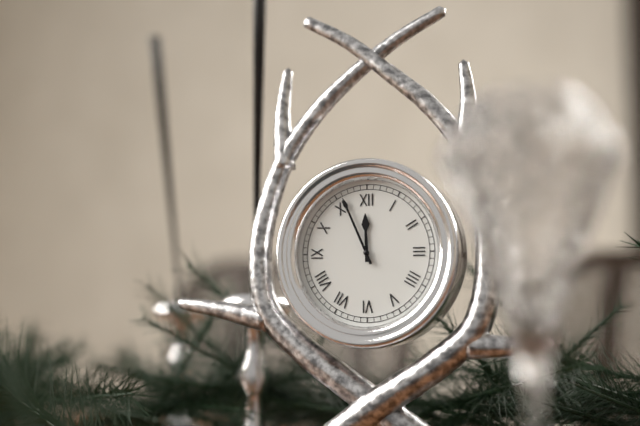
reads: 11,56
